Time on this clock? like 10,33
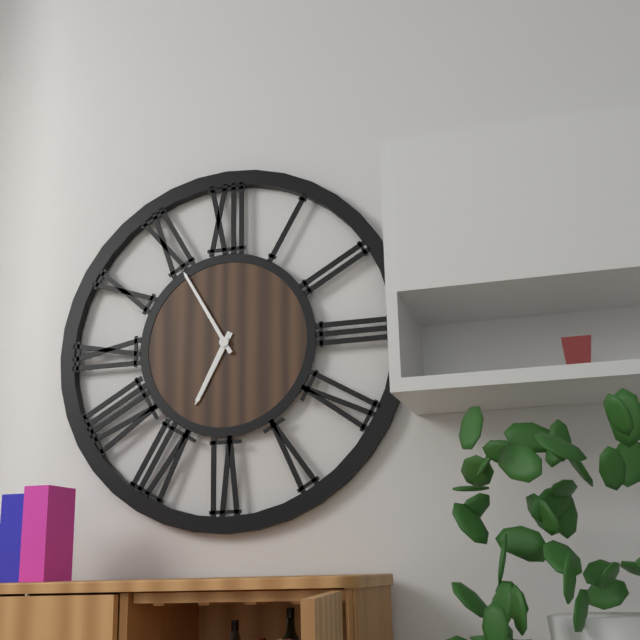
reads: 6,55
